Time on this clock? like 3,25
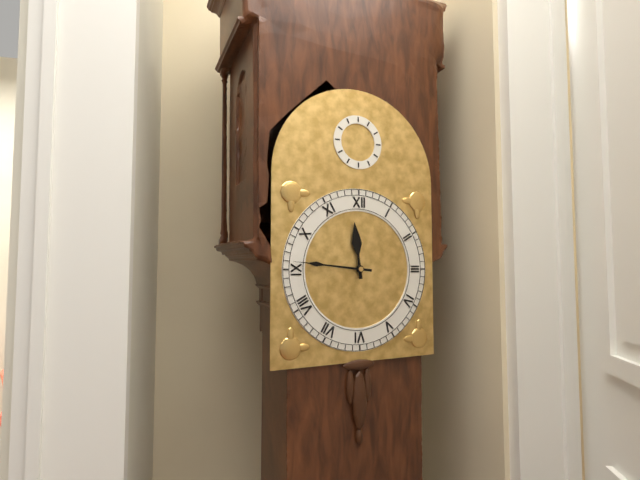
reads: 11,46
